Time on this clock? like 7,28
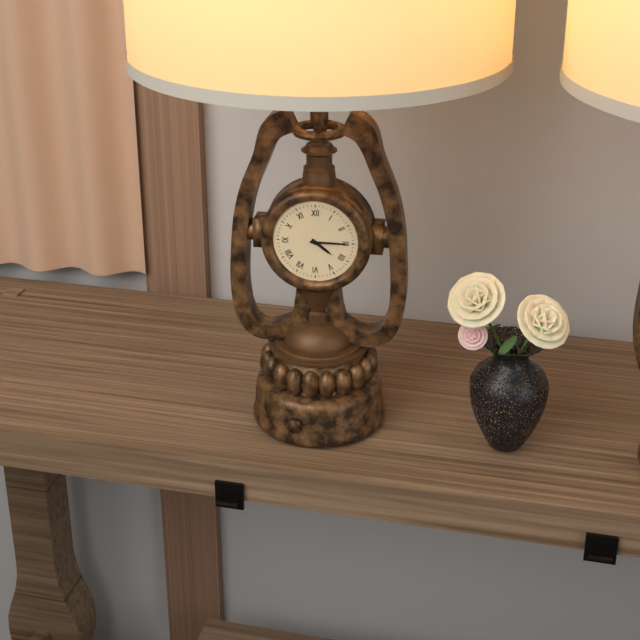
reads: 4,15
